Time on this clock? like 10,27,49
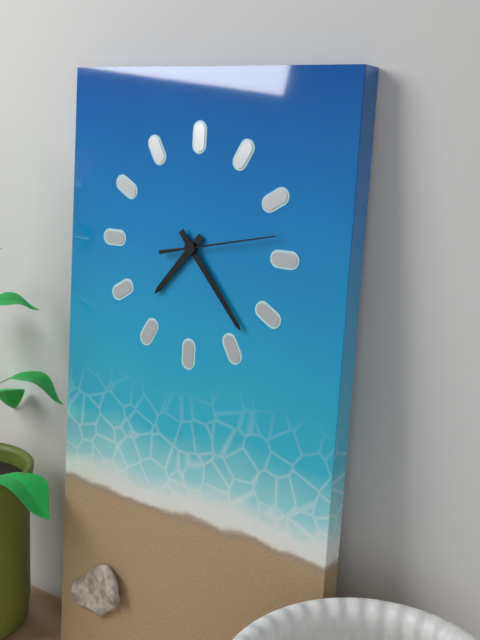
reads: 7,23,13
